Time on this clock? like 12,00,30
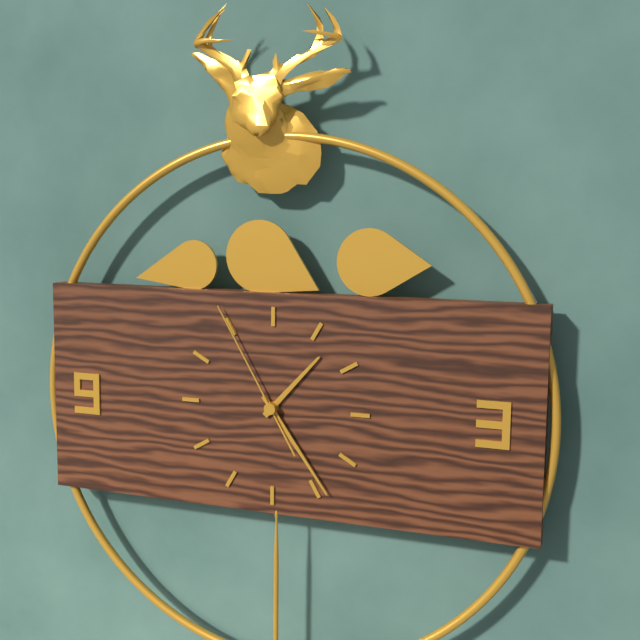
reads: 1,24,55
